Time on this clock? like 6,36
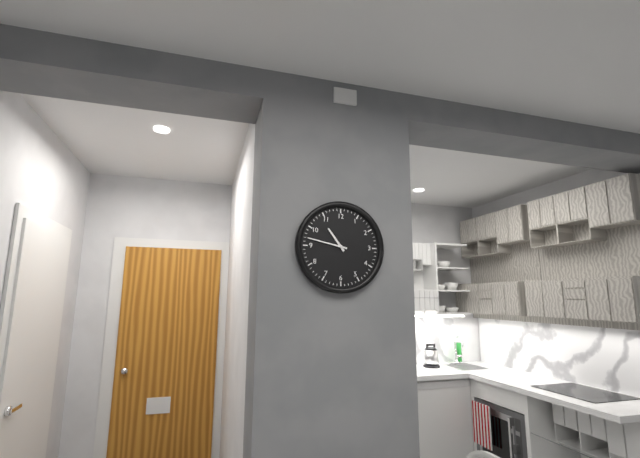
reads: 10,47
